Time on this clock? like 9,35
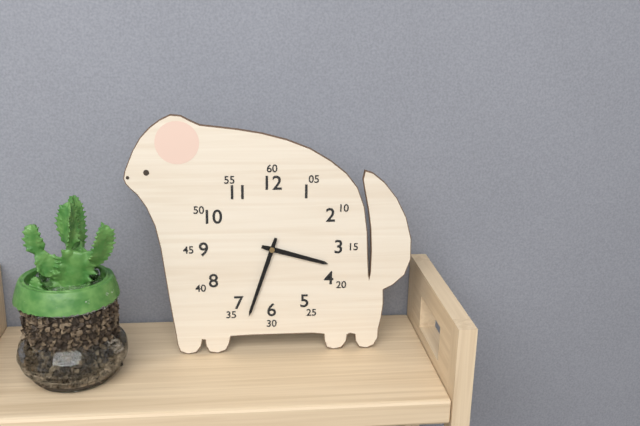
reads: 3,33
